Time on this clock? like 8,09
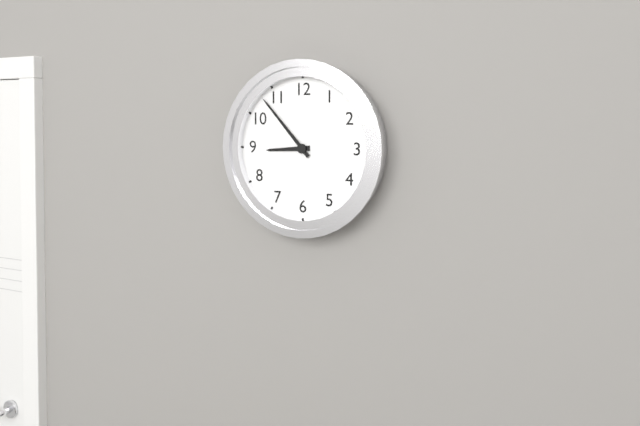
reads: 8,53
